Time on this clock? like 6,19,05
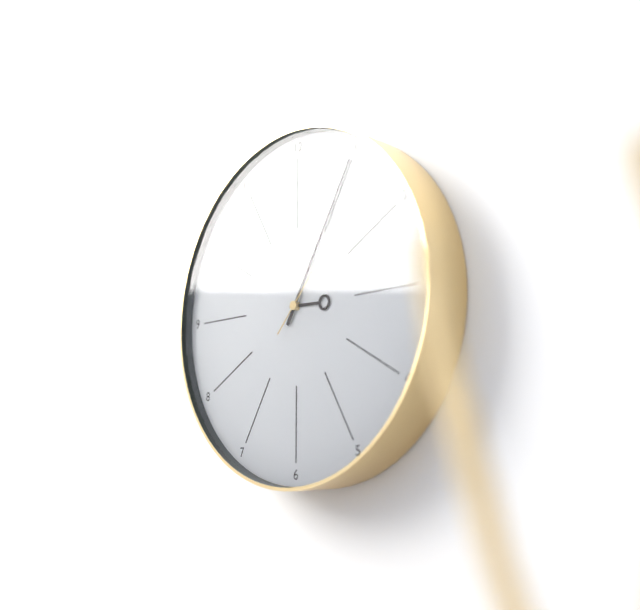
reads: 3,05,07
